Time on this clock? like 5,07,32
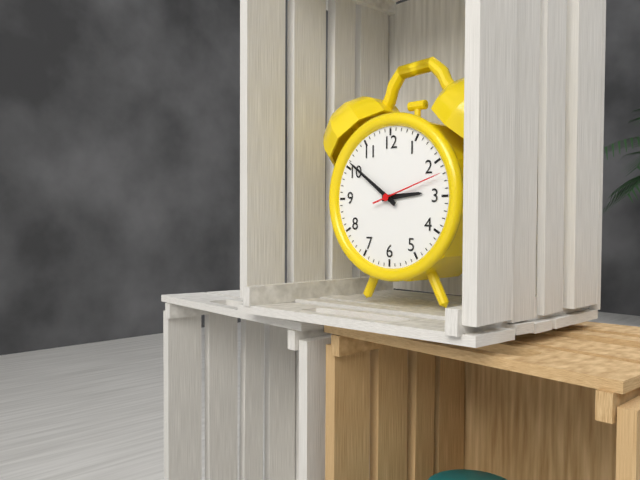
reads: 2,51,12
